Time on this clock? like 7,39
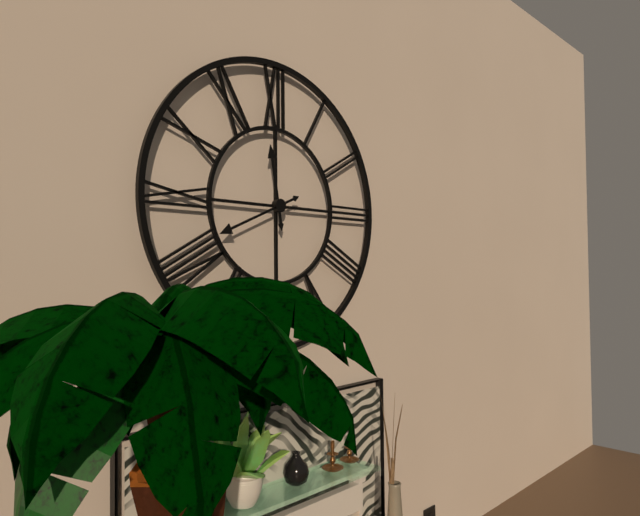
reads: 11,41
